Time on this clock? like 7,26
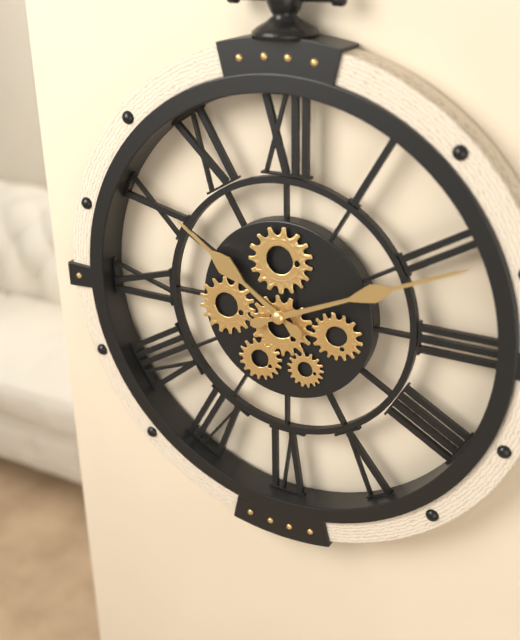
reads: 10,11
